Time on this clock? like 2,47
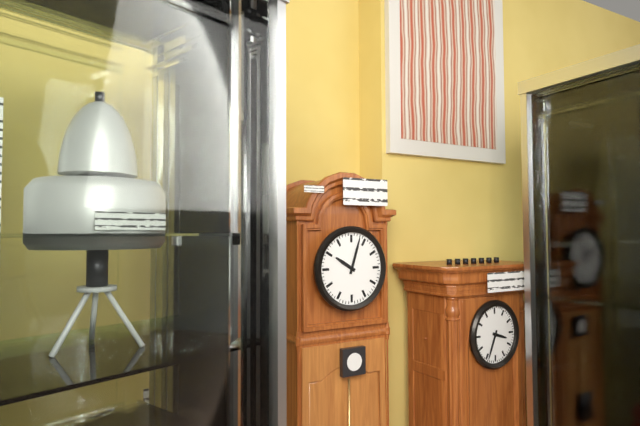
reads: 10,03
